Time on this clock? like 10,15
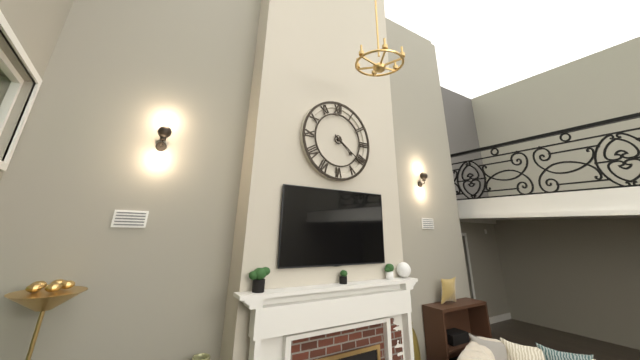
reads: 4,21
